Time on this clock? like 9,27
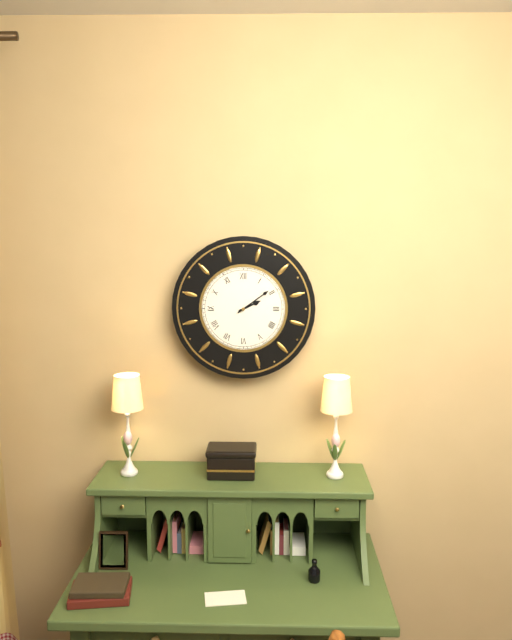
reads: 2,09
